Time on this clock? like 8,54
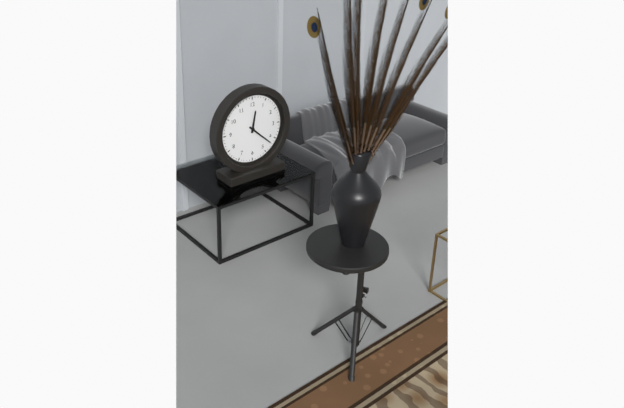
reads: 12,22
